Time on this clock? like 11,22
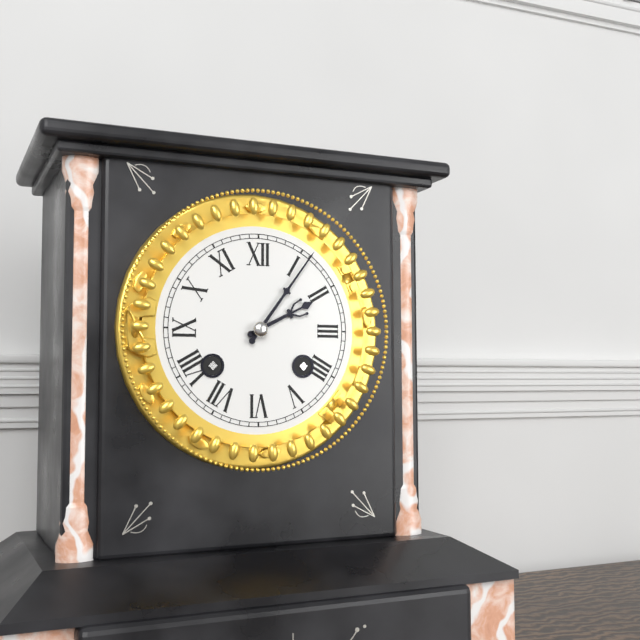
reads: 2,06
